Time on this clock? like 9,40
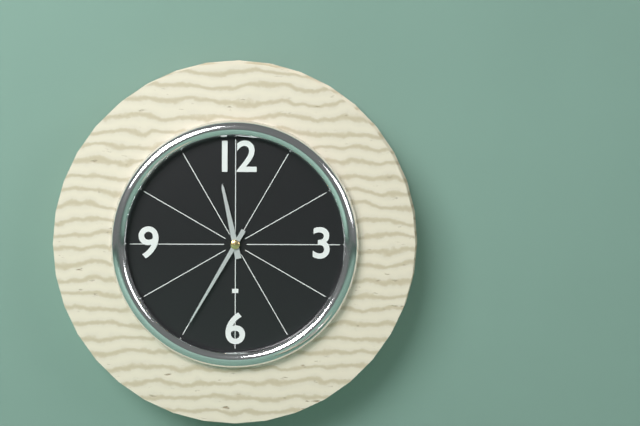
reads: 11,35
